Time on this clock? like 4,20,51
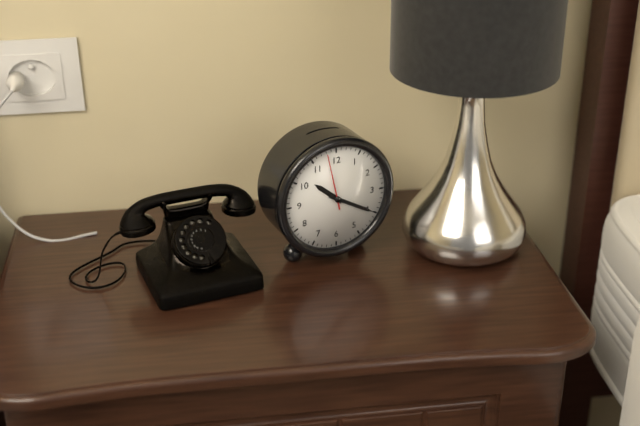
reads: 10,20,58
